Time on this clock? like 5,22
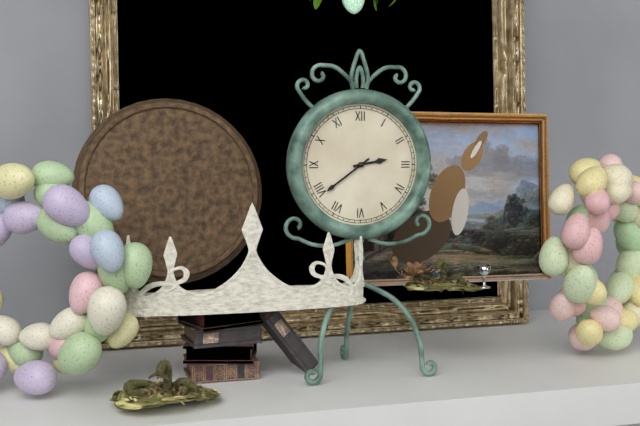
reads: 2,39
